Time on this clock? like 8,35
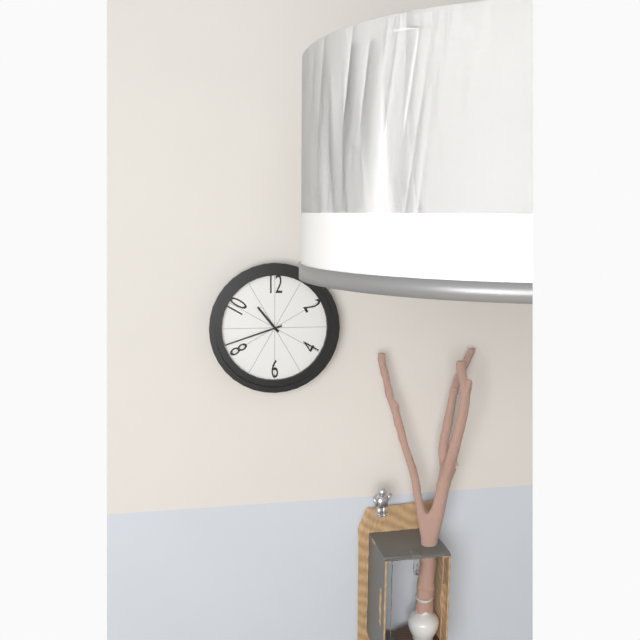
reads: 10,42
